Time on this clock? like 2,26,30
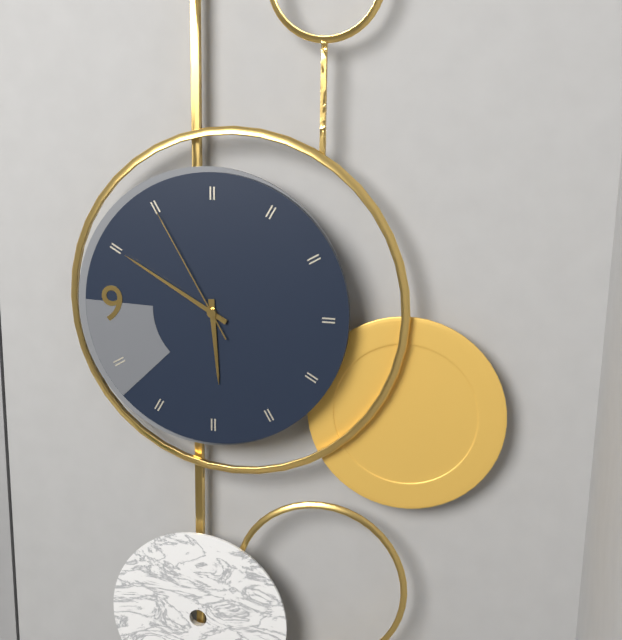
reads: 5,50,55
